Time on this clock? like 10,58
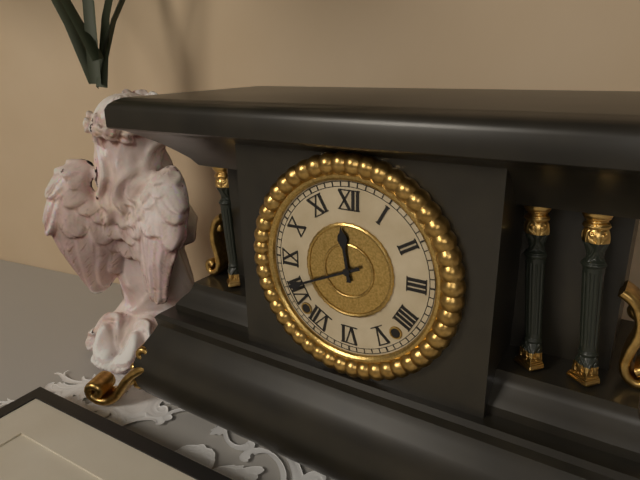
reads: 11,41
